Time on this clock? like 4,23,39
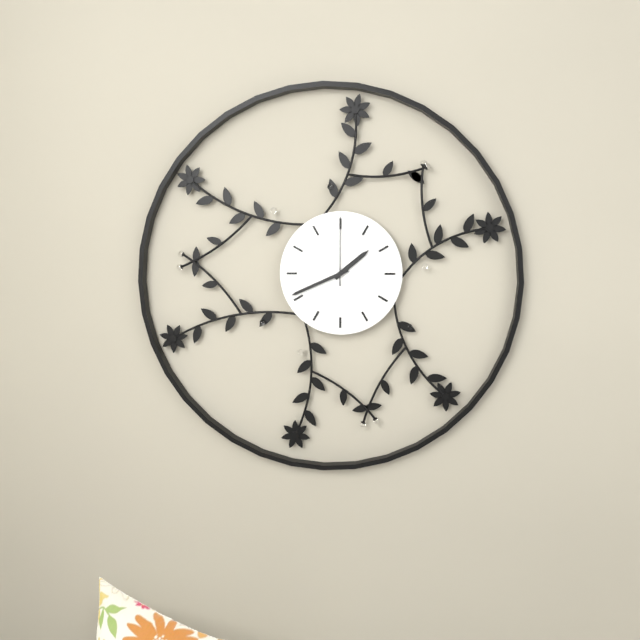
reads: 1,41,00
